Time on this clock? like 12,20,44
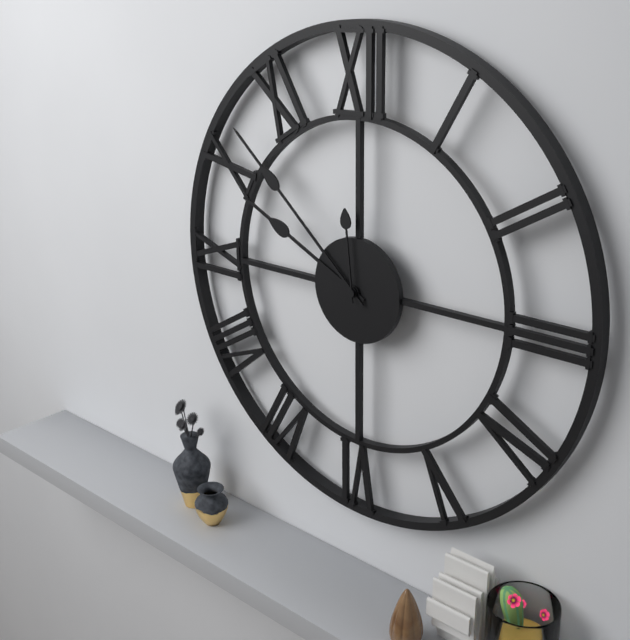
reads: 9,52,59
